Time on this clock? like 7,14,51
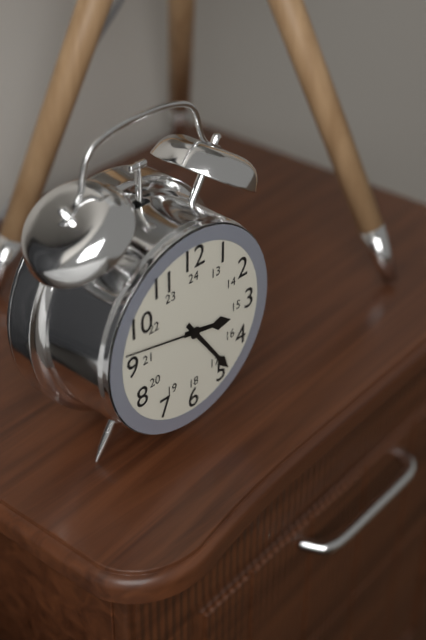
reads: 3,24,47
